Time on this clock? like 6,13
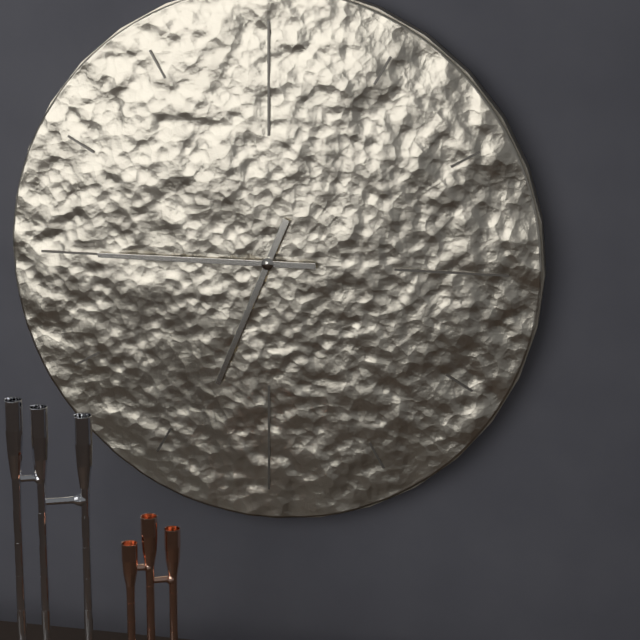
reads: 6,45
